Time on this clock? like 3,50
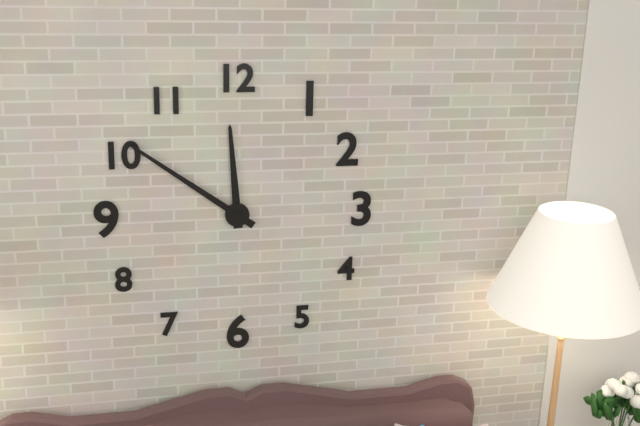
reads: 11,51
